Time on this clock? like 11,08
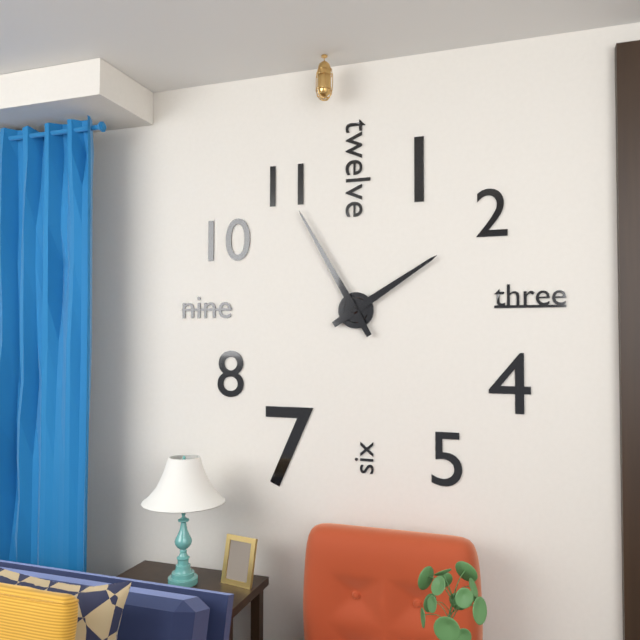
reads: 1,55
